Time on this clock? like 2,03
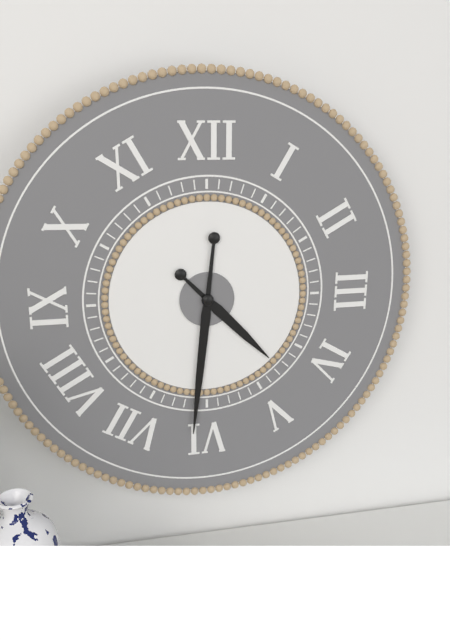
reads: 4,31
